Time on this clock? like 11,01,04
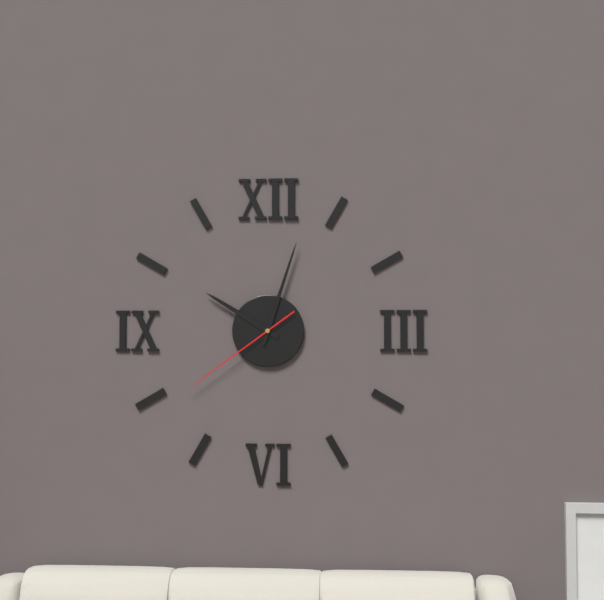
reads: 10,03,39
